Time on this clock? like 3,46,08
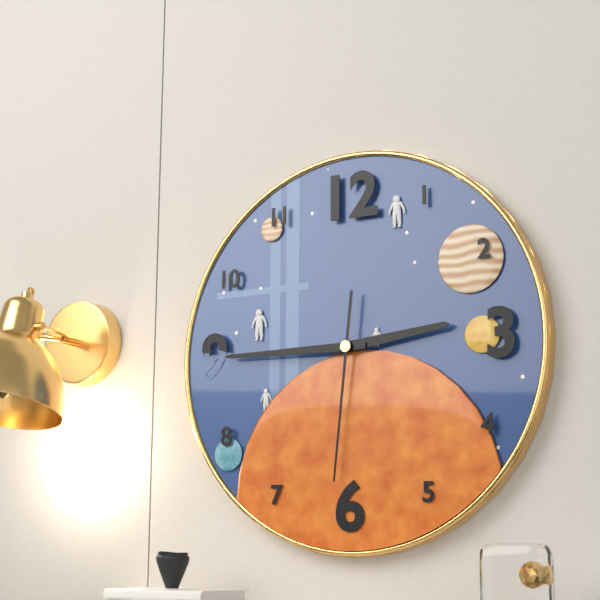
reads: 2,45,31
